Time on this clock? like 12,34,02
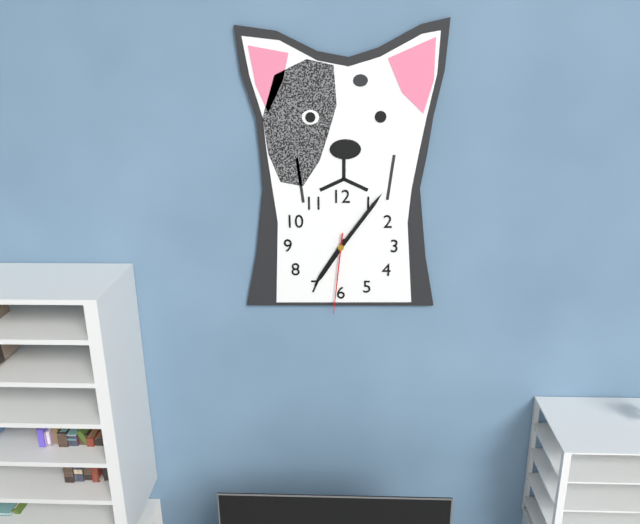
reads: 7,06,31
